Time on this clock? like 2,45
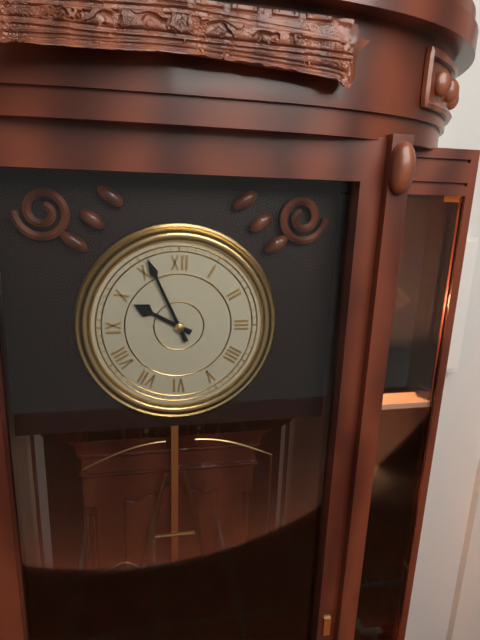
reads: 9,56
